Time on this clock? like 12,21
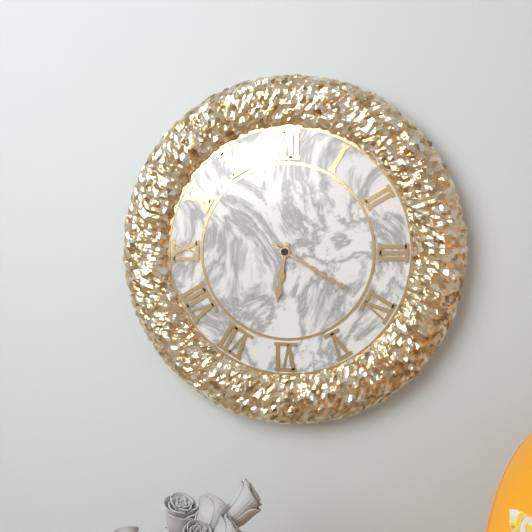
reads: 6,20
